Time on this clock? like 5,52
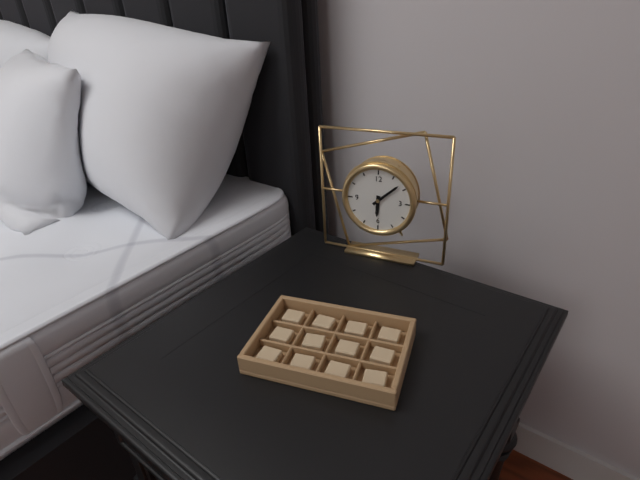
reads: 6,08
